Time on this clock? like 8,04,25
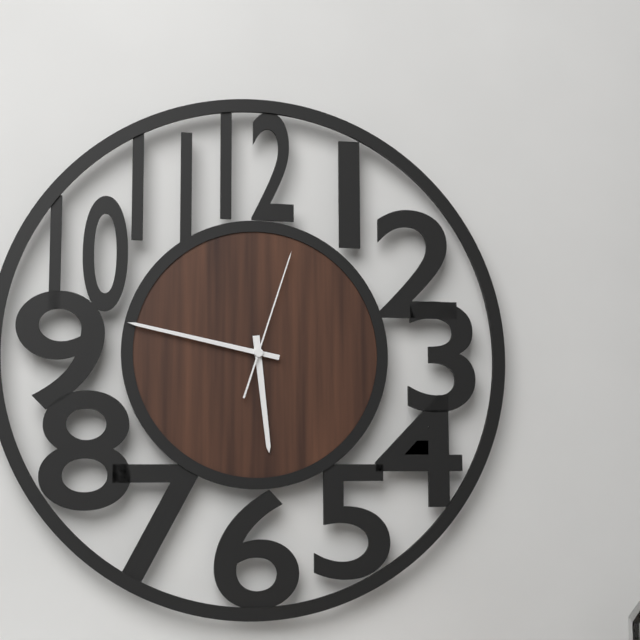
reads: 5,47,03
